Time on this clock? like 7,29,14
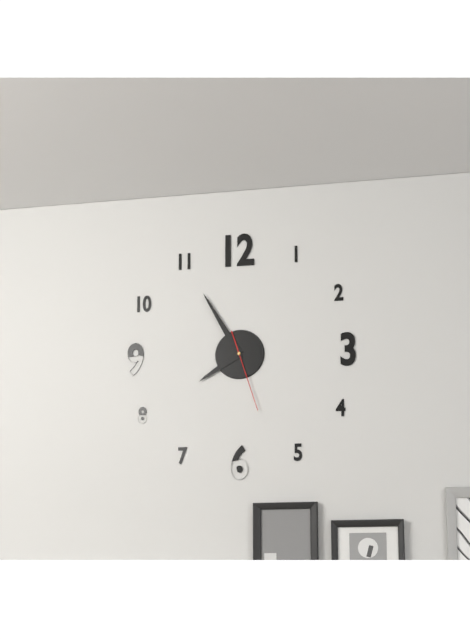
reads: 7,55,27
